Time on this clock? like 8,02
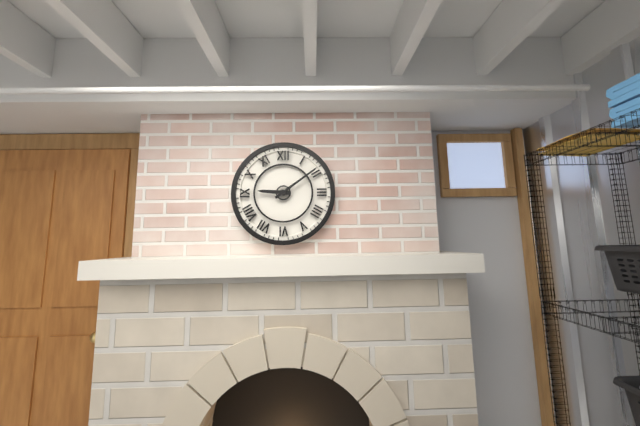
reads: 9,09
